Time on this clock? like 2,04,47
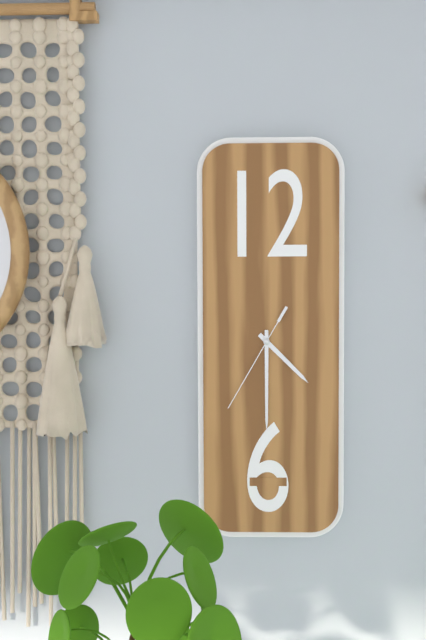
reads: 4,30,35
